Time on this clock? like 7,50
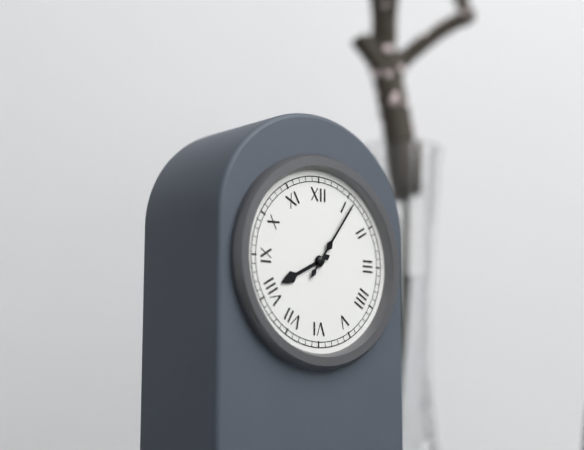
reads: 8,06
